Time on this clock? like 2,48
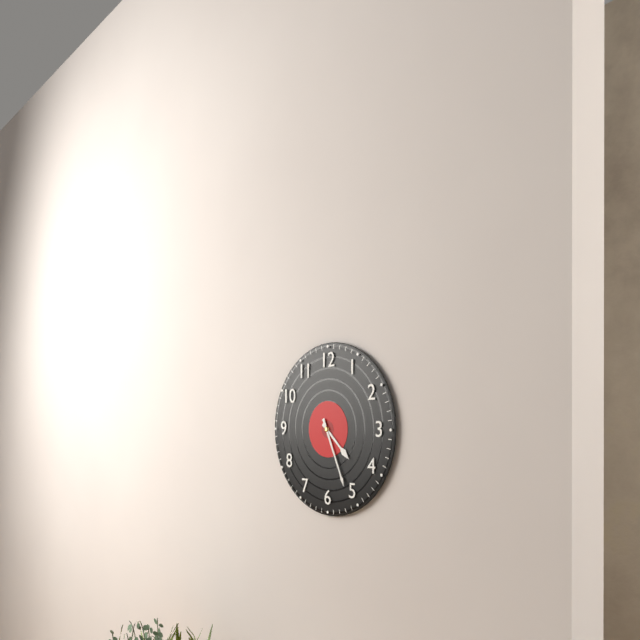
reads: 4,26
